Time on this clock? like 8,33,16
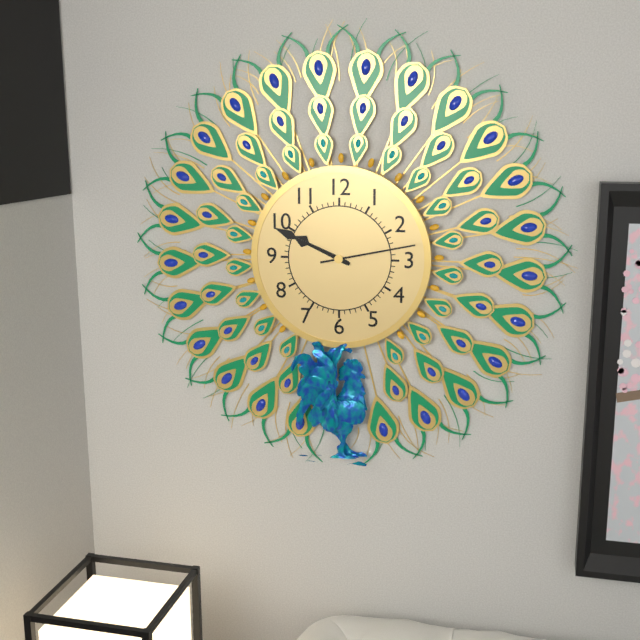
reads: 9,49,13
